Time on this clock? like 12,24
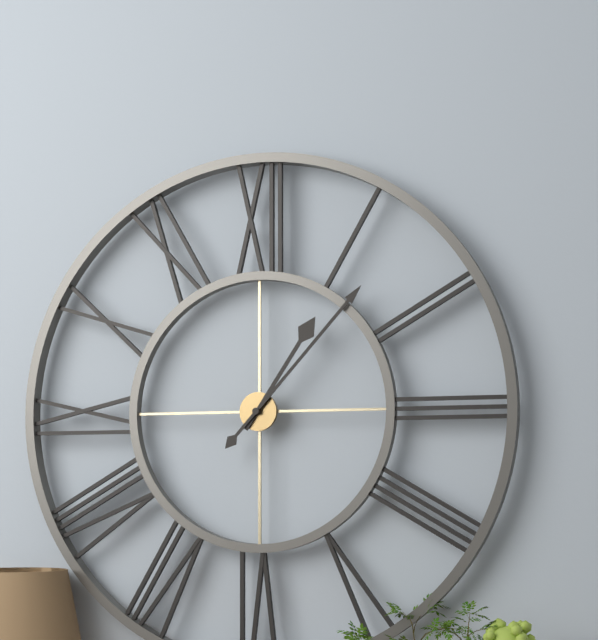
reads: 1,07
